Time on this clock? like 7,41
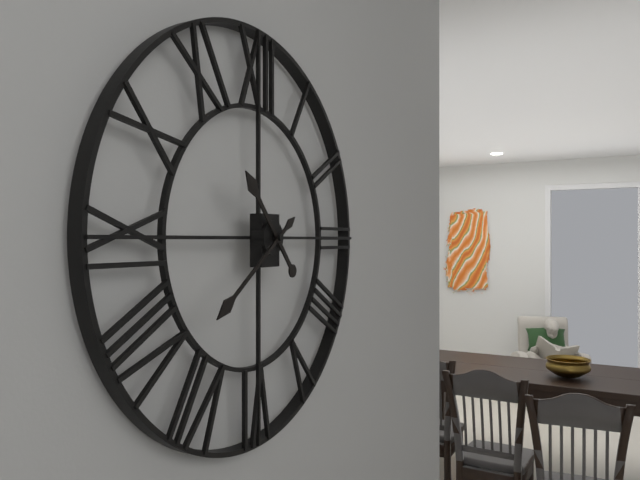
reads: 10,39
